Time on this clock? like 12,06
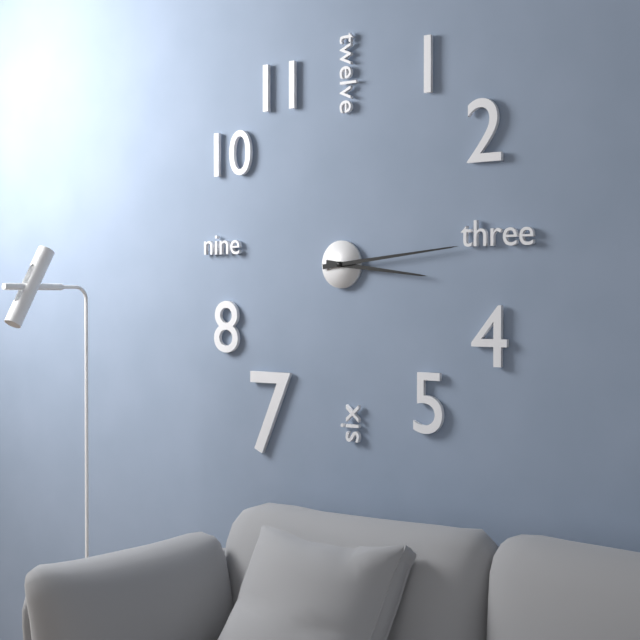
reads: 3,14
